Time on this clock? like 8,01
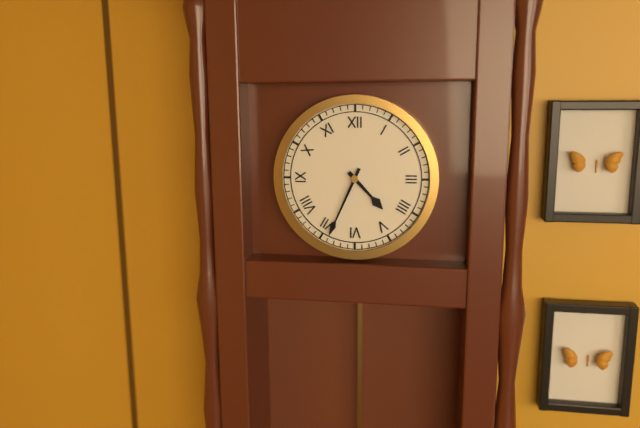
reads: 4,34
